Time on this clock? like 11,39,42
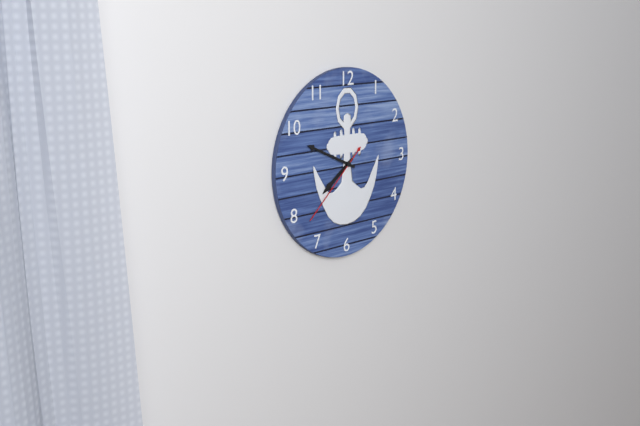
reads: 7,49,38
